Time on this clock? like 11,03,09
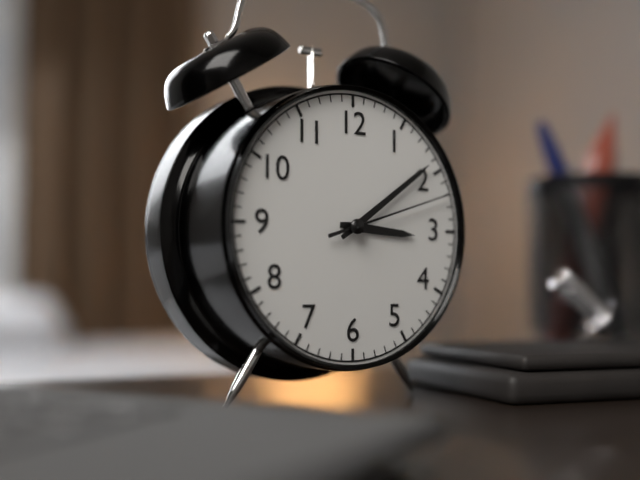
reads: 3,09,12
